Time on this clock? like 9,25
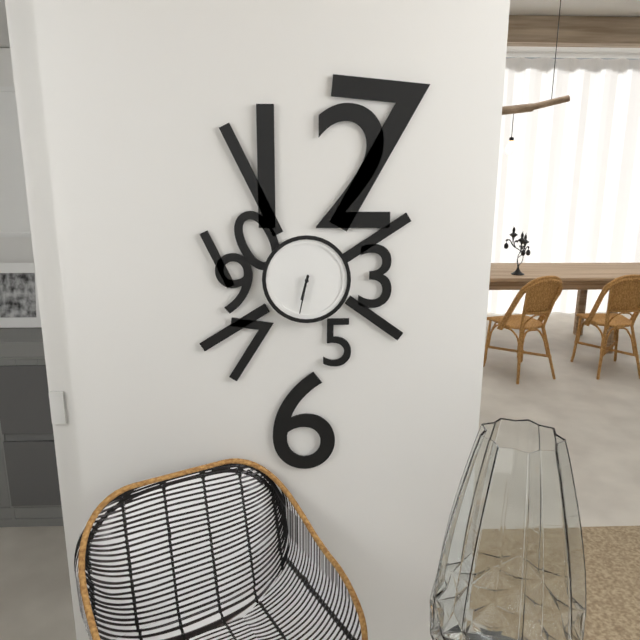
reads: 6,32
